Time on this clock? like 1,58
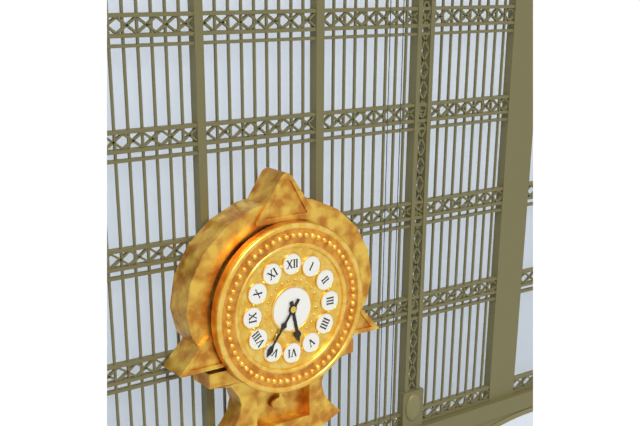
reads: 5,36
